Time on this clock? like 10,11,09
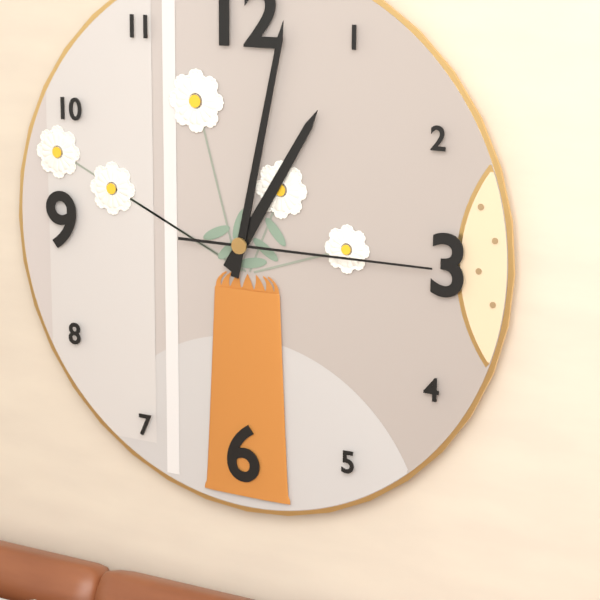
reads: 1,02,15
